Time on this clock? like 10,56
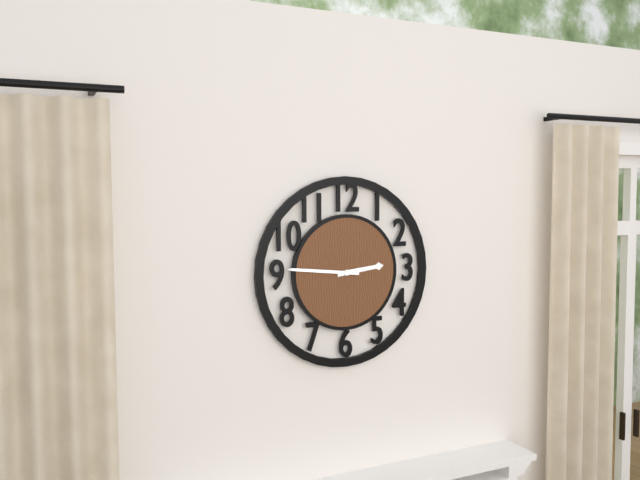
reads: 2,46
